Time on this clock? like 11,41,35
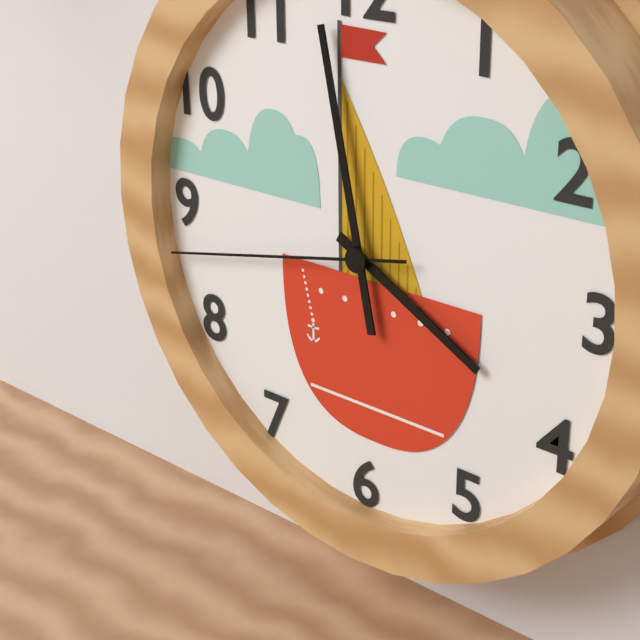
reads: 3,58,43
